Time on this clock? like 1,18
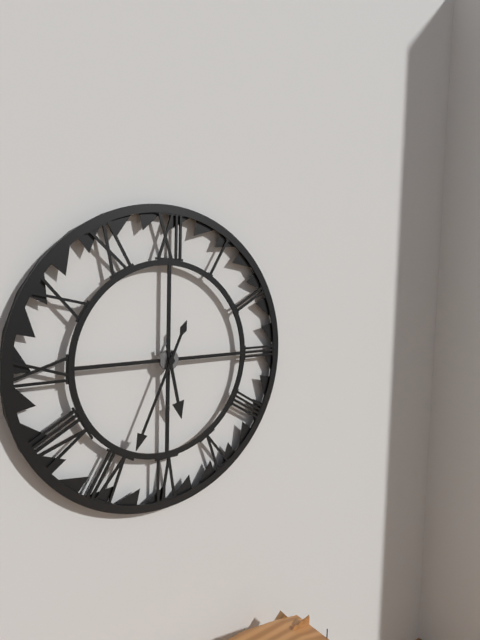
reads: 5,34
